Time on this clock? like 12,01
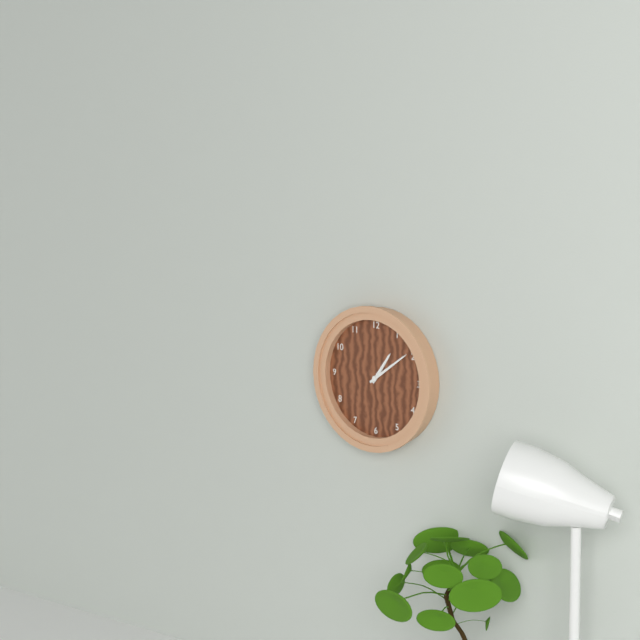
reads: 1,09
